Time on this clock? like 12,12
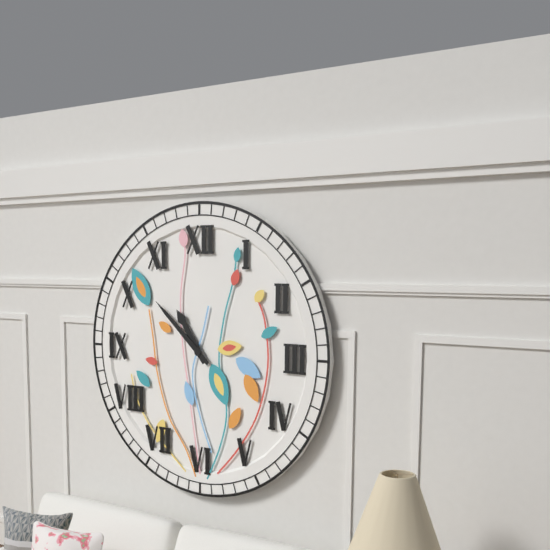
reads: 10,52
